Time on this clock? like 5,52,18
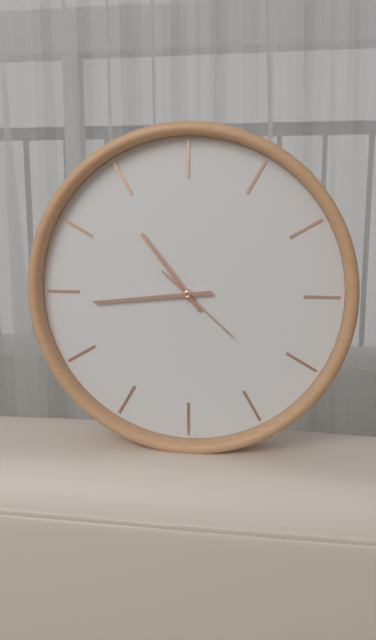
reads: 10,44,22
